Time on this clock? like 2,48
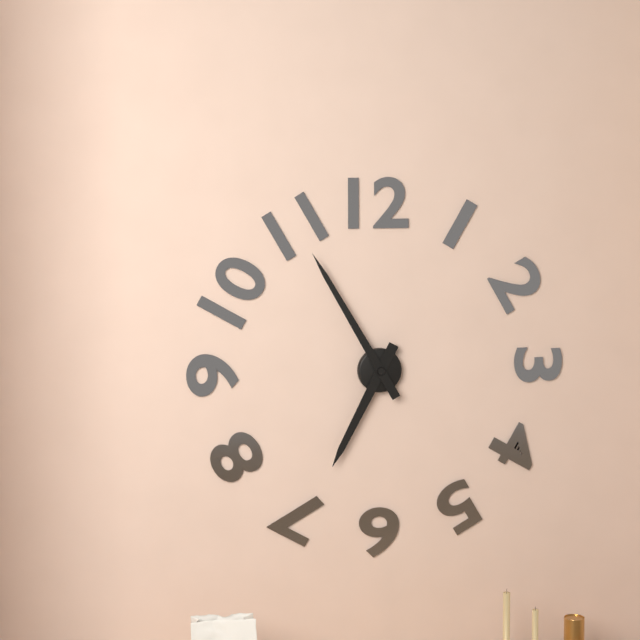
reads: 6,55
